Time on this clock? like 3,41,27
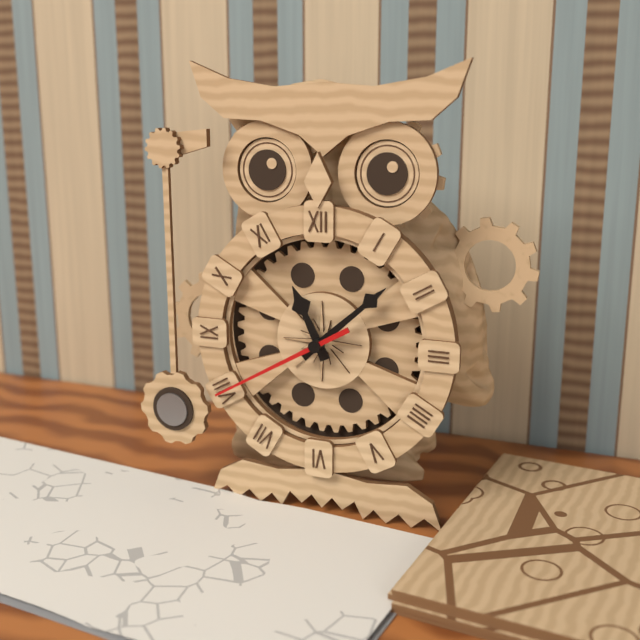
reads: 11,08,40
